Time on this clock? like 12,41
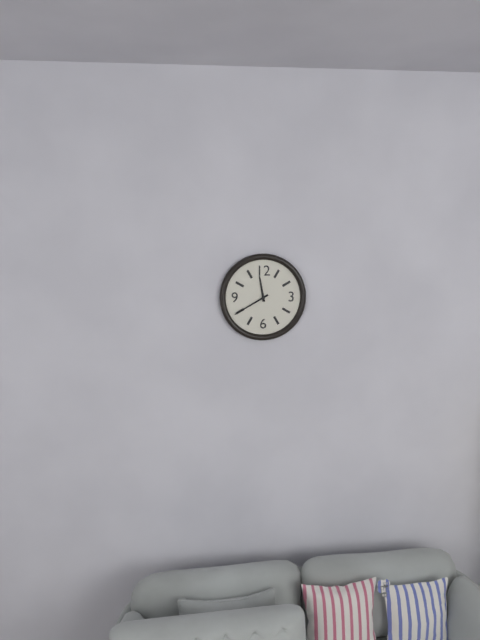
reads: 11,40
